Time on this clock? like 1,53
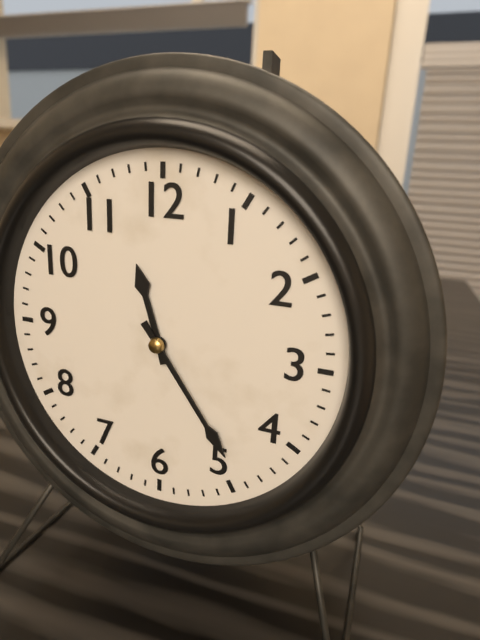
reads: 11,24
